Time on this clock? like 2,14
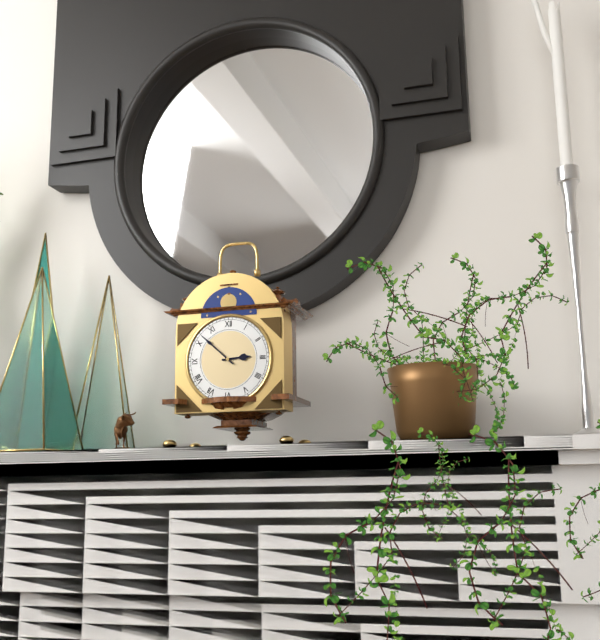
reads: 2,52
